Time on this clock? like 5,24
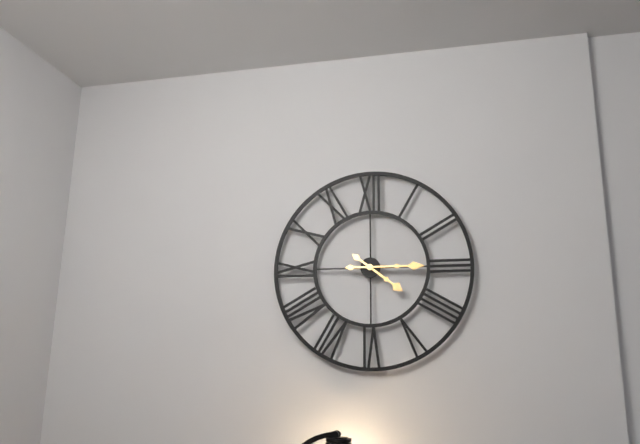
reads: 4,15
